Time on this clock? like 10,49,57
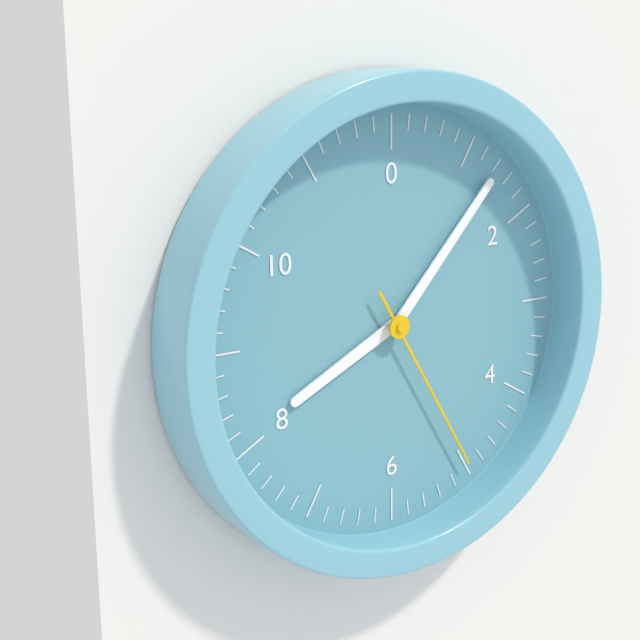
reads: 8,07,25
